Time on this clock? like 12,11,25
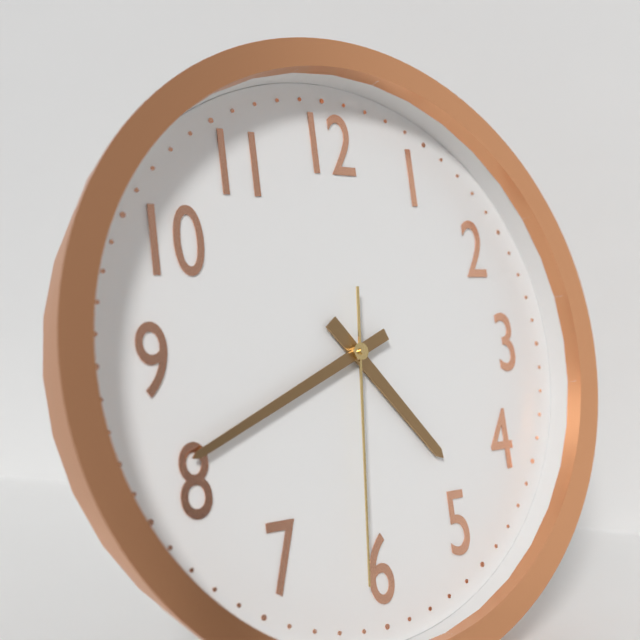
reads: 4,41,31
